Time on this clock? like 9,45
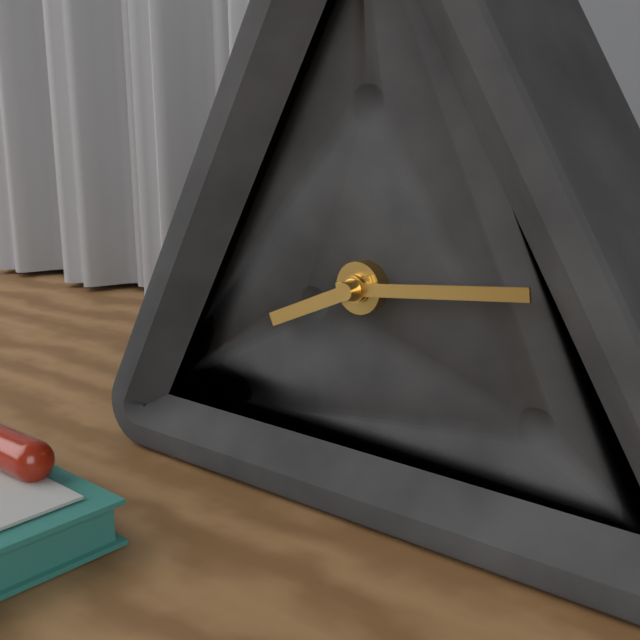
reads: 8,14
